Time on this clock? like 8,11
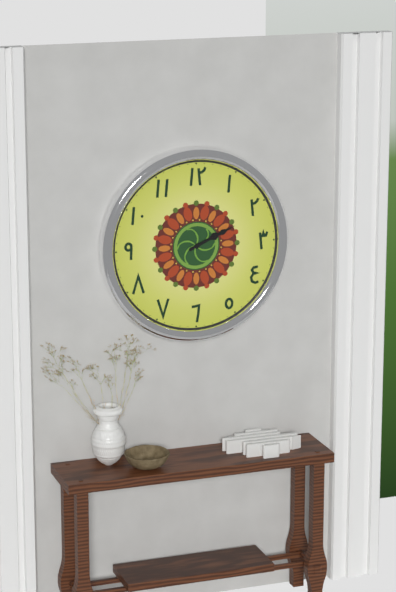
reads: 2,11
